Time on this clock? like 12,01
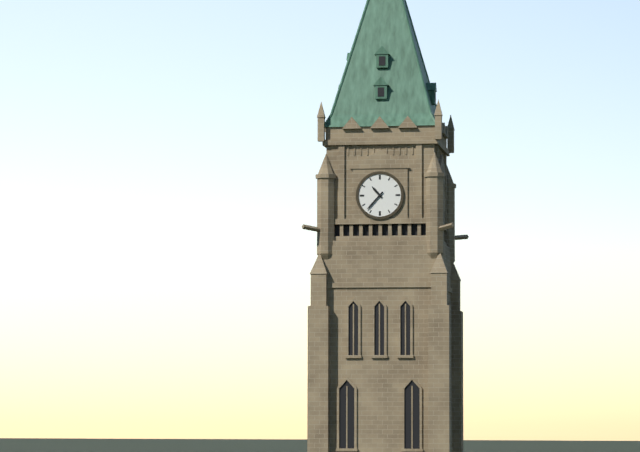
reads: 10,37
